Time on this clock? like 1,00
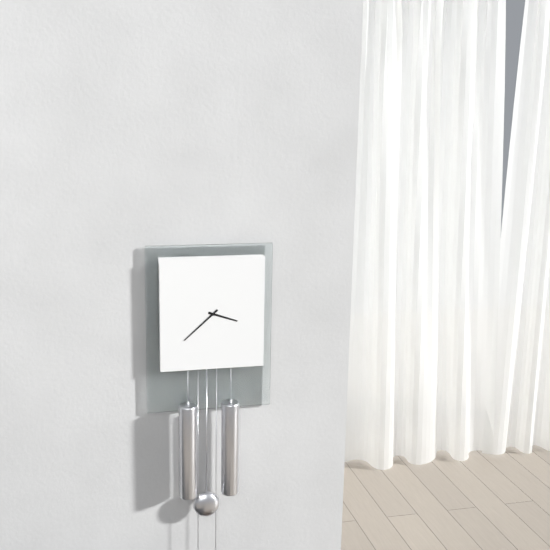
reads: 3,38
